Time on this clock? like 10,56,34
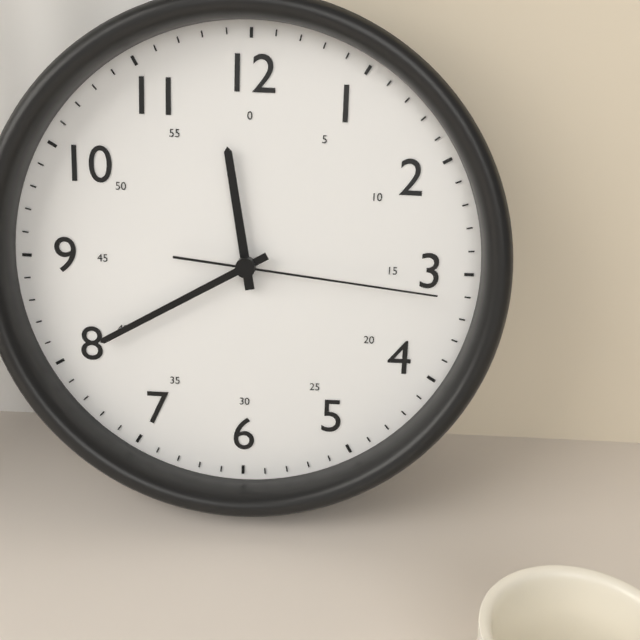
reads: 11,40,16
